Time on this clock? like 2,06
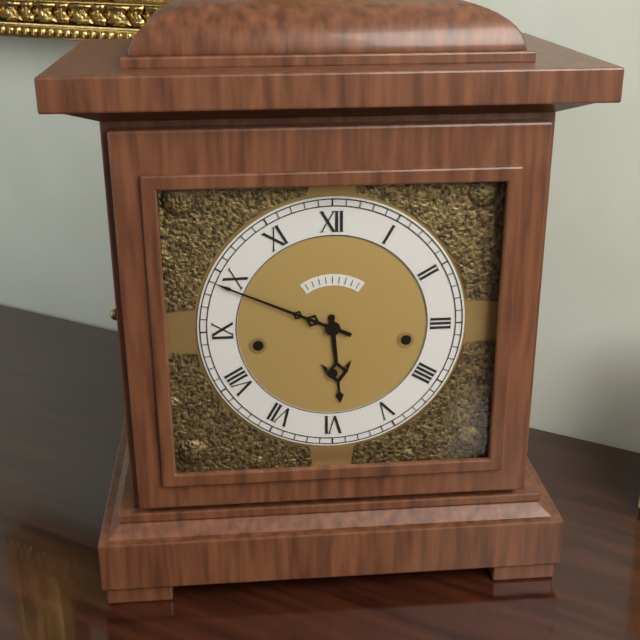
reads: 5,49
